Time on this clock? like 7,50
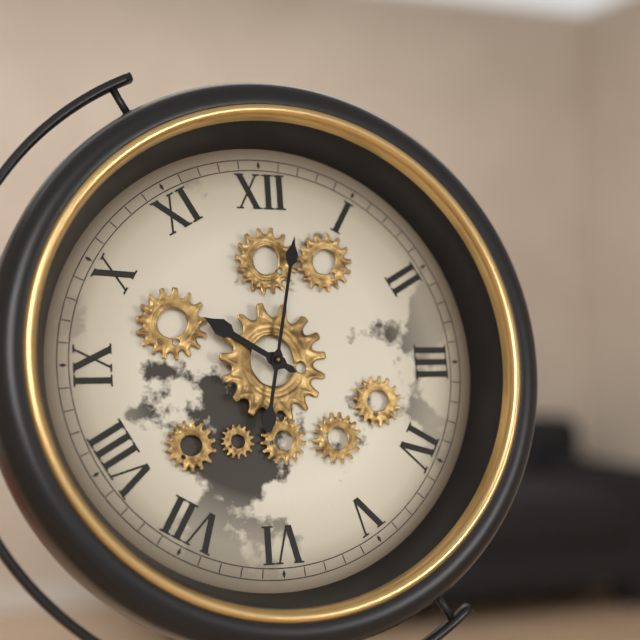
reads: 10,02
